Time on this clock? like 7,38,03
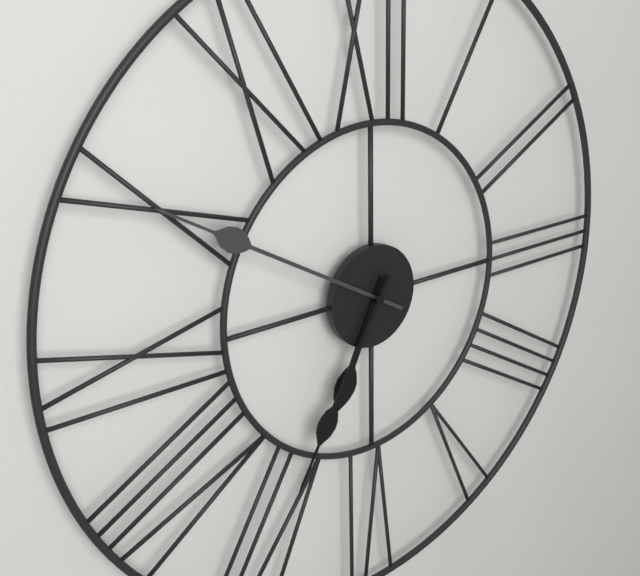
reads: 6,50,35
